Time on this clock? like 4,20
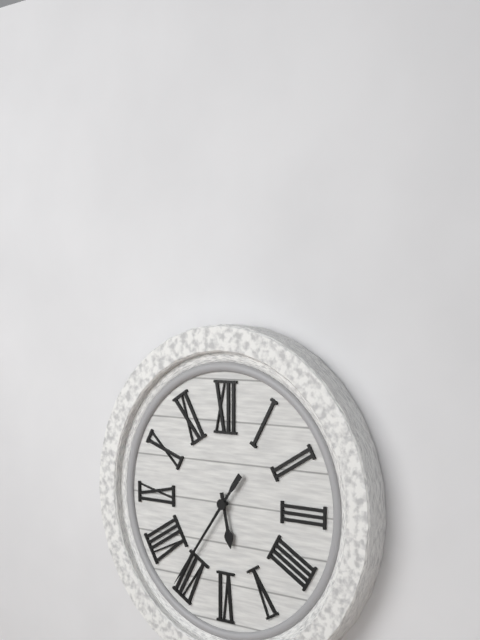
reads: 5,36
